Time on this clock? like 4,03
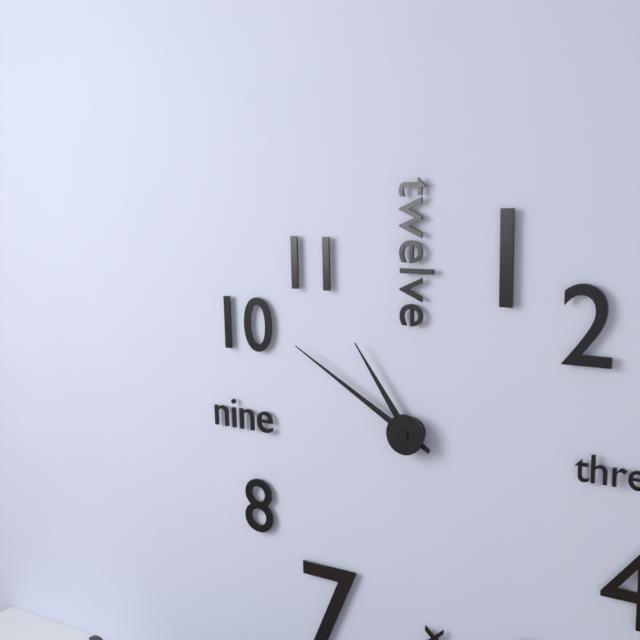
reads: 10,50
